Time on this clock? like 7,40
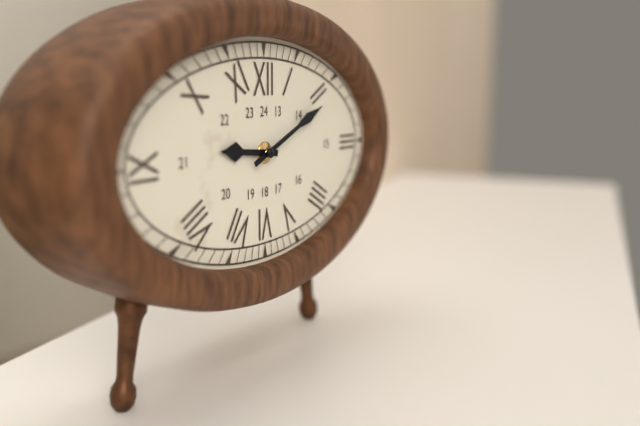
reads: 9,11
